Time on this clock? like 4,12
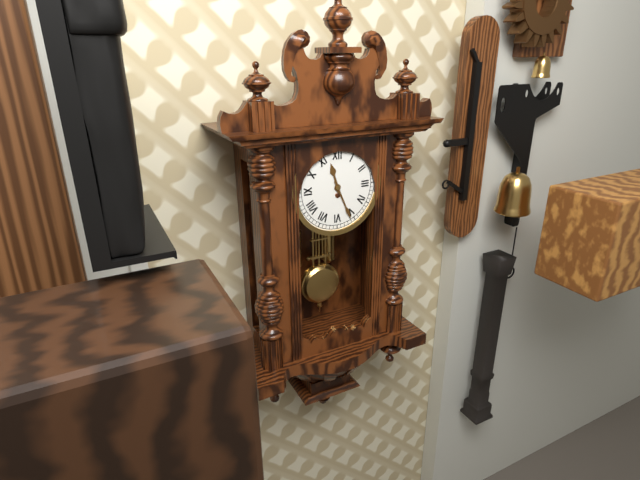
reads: 11,26
